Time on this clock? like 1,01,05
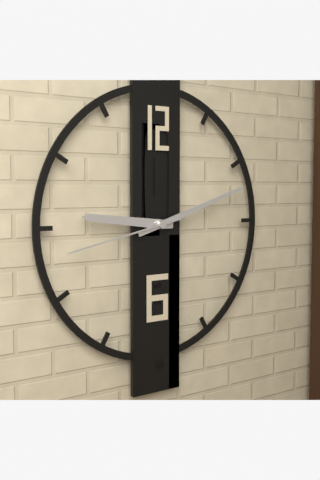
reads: 9,12,43
